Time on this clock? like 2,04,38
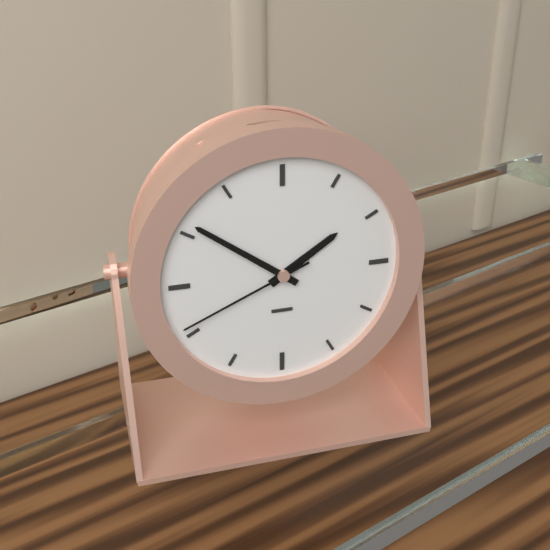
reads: 1,51,41
